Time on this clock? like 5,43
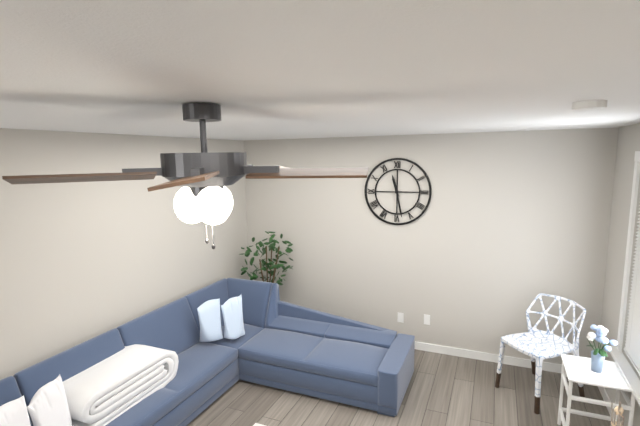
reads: 11,28
